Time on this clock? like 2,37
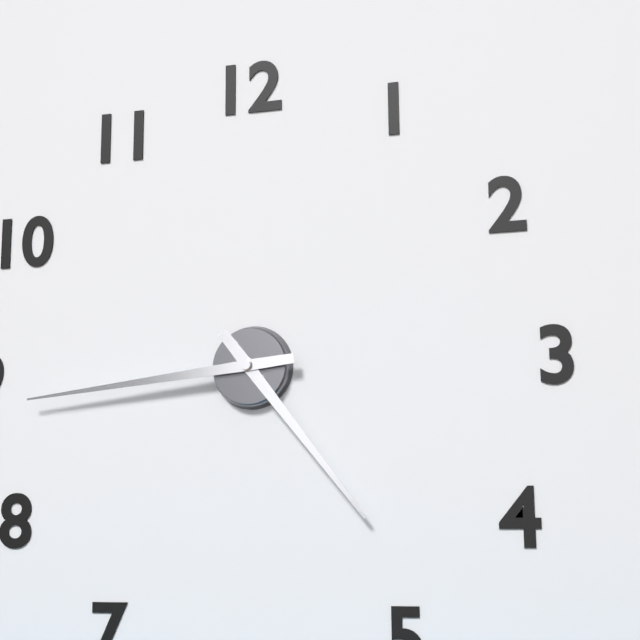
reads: 4,44
